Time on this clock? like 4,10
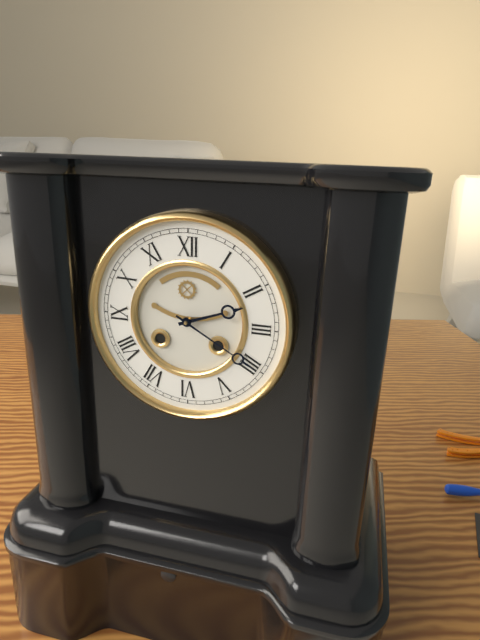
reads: 2,20
